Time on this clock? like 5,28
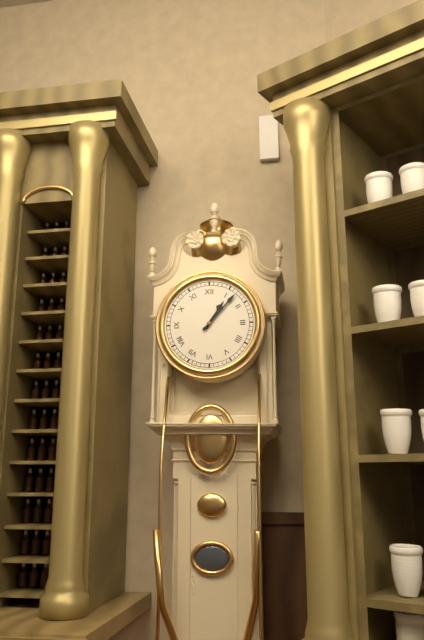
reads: 1,07
